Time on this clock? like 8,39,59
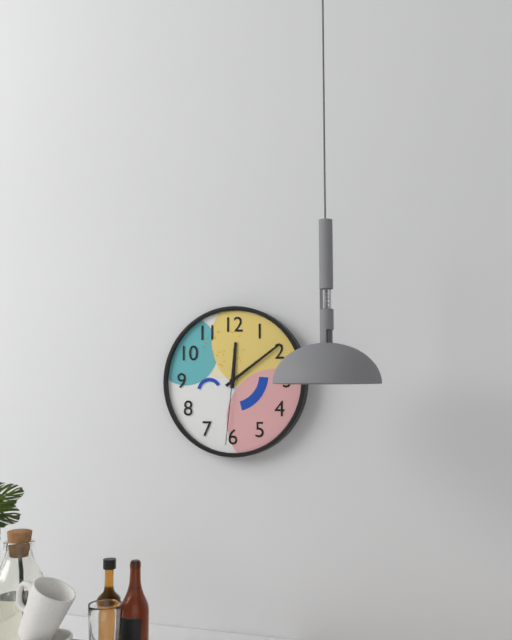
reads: 12,09,31
